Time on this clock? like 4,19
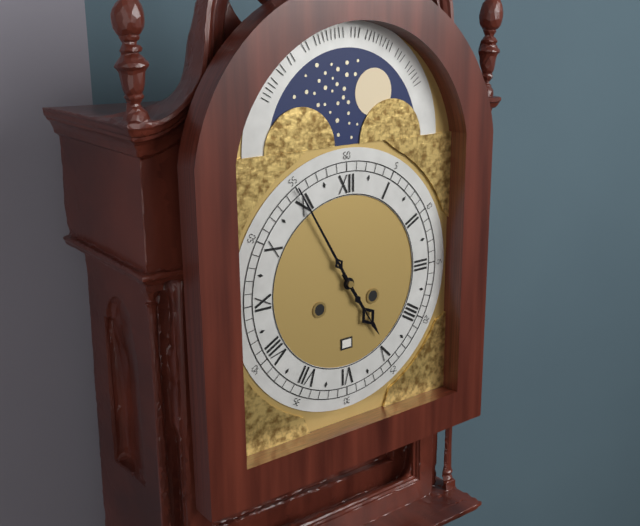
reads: 4,55
